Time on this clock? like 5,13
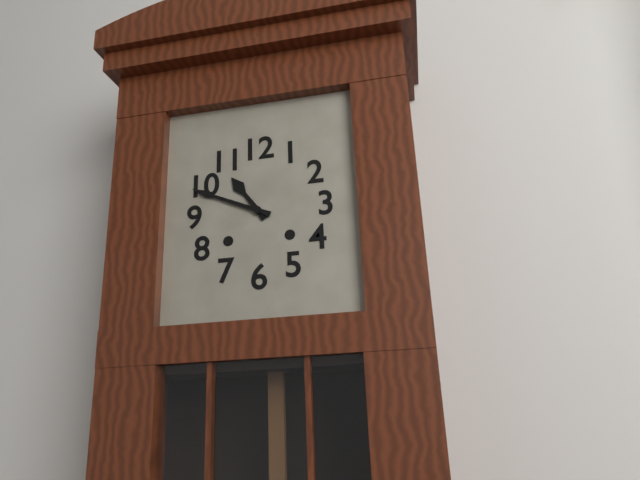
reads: 10,49
